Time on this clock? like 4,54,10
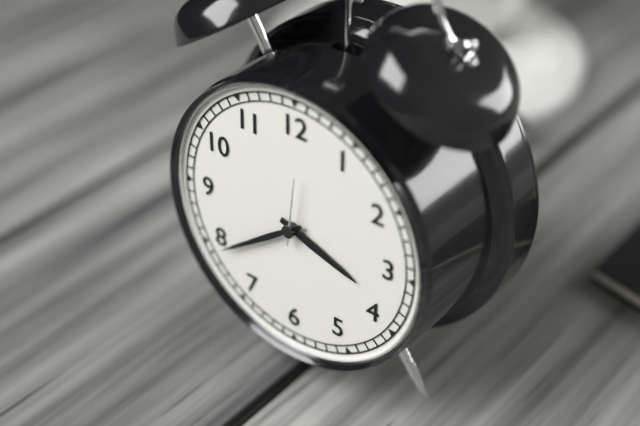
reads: 3,39,01
